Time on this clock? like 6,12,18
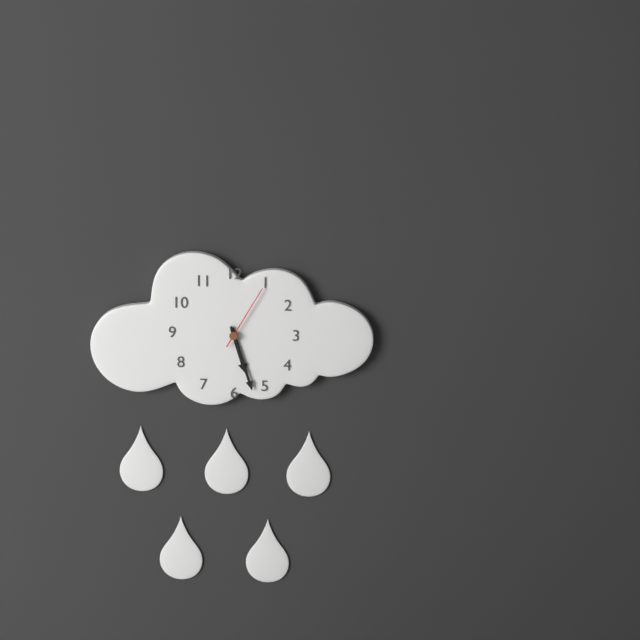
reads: 5,27,05
